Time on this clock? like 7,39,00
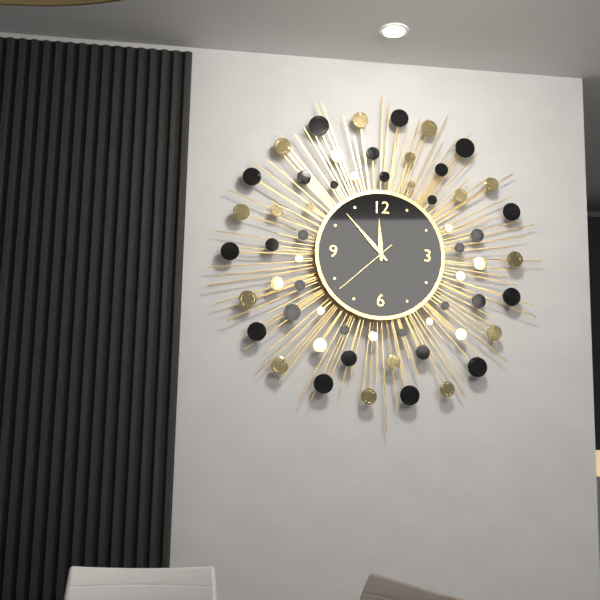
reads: 11,53,38
